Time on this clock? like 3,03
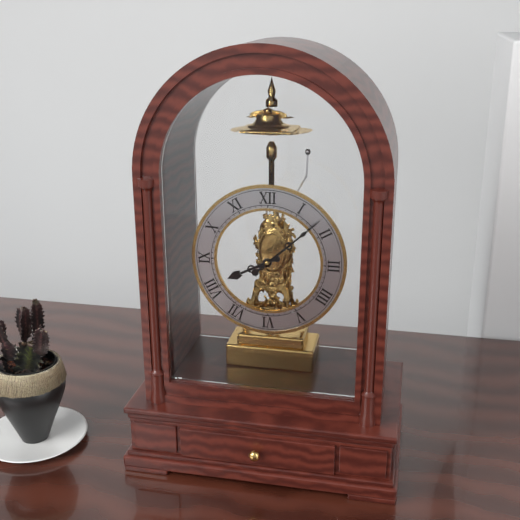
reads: 8,08
